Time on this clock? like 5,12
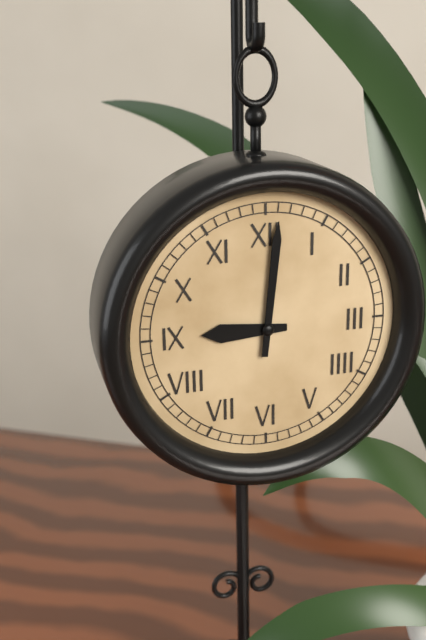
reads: 9,01
